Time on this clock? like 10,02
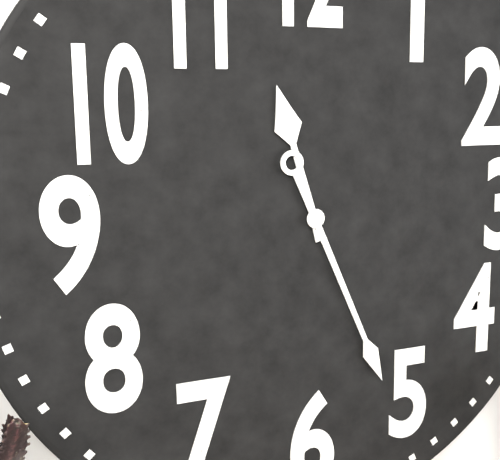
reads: 11,26
